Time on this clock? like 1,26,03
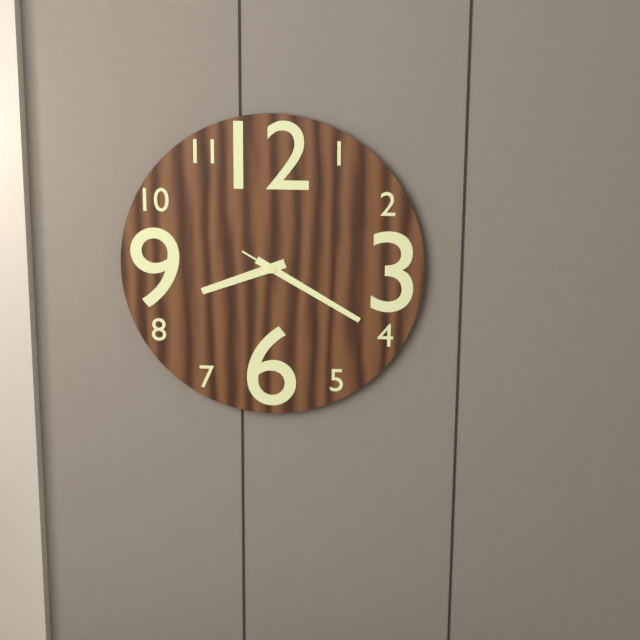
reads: 8,20,20
